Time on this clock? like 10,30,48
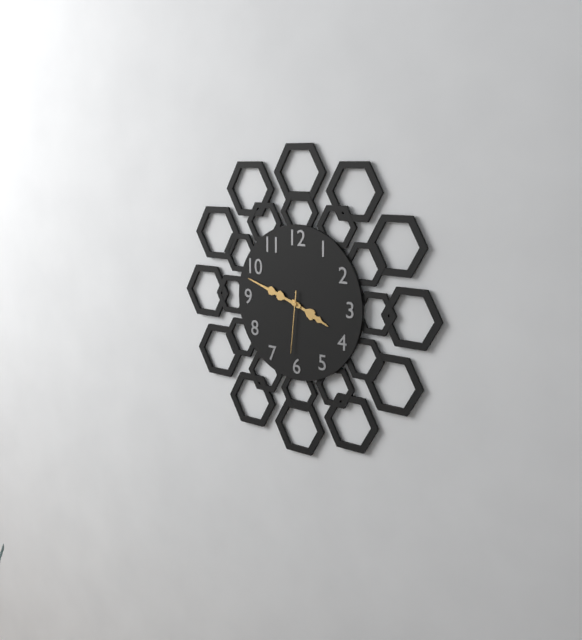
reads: 3,48,31
